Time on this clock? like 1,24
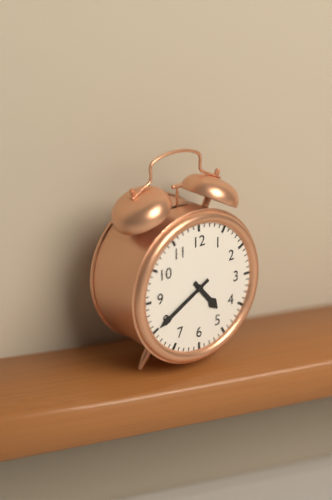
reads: 4,40
